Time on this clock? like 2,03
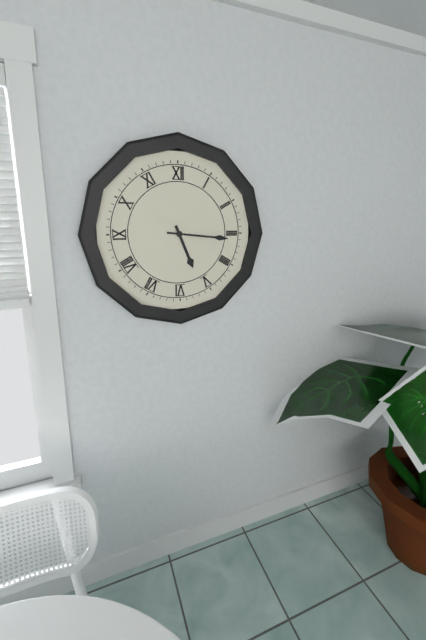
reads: 5,16
